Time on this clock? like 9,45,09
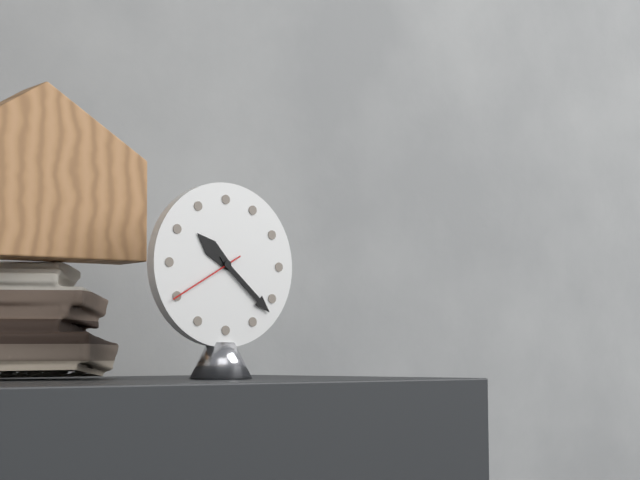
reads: 10,22,40
